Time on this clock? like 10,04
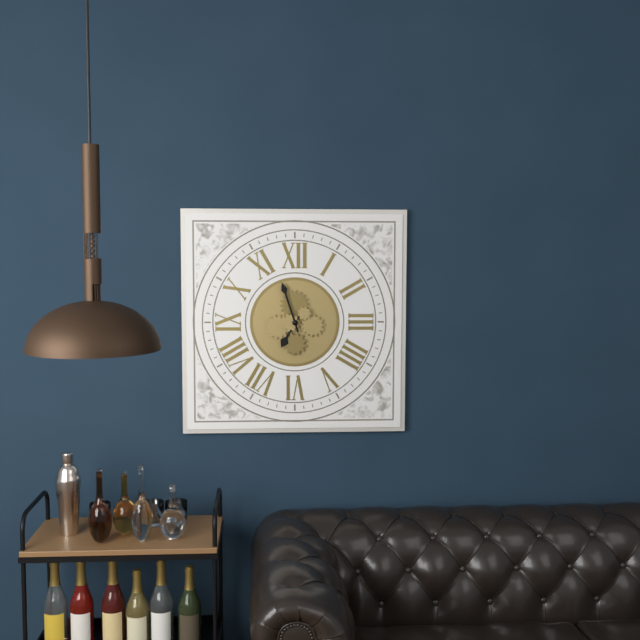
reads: 6,57
